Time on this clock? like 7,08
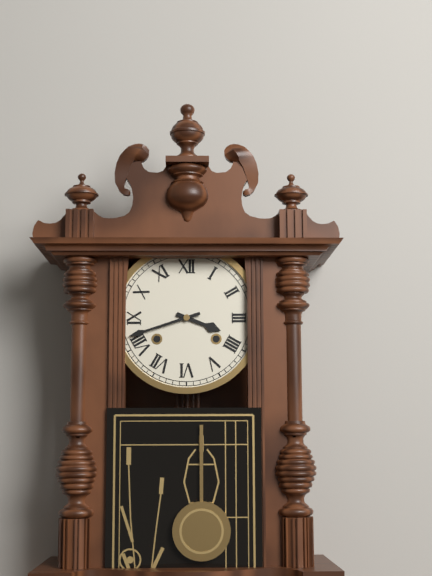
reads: 3,42
